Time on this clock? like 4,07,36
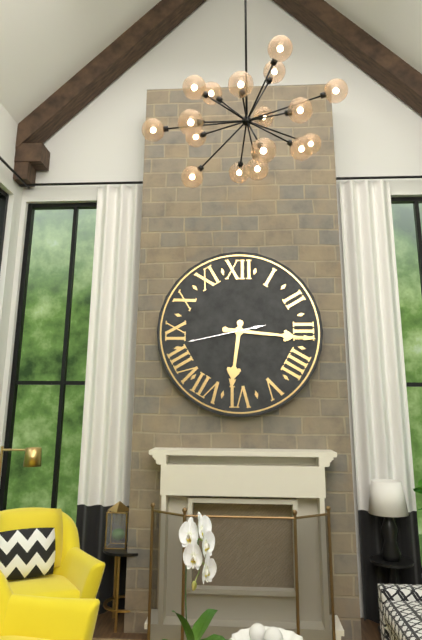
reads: 6,16,43
